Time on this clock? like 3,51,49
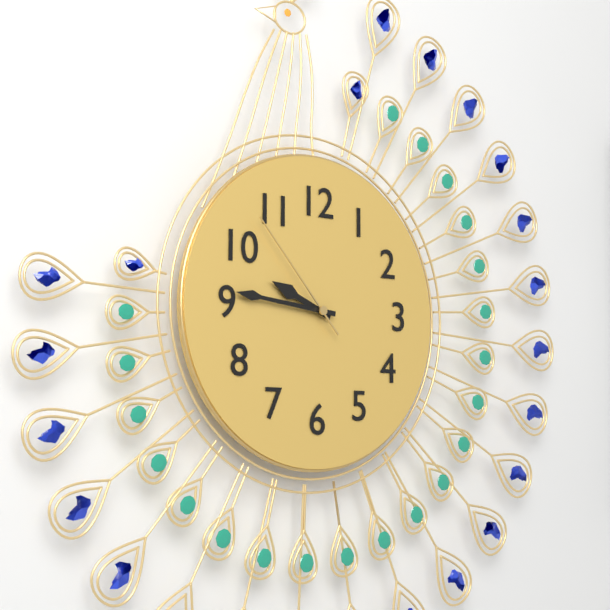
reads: 9,46,53
